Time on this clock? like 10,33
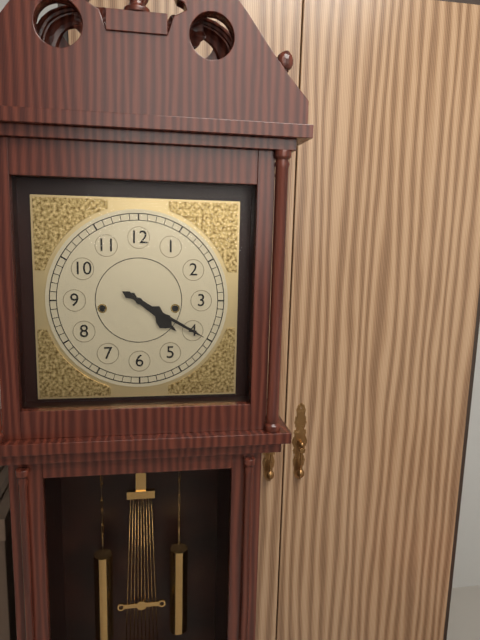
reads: 4,20
